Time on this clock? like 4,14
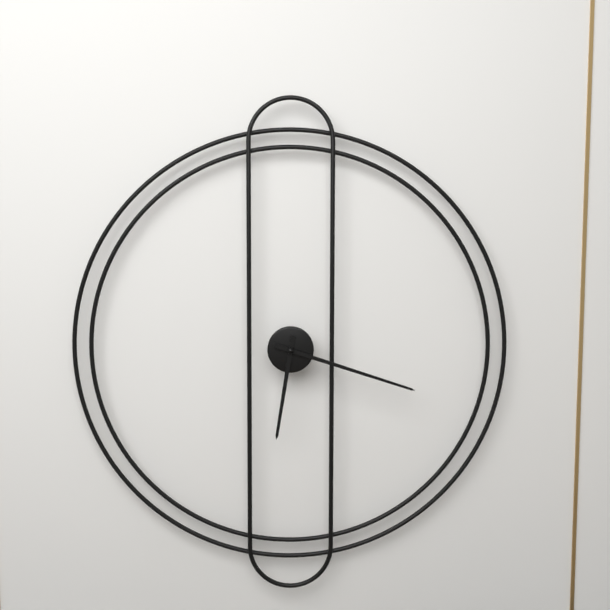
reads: 6,18
